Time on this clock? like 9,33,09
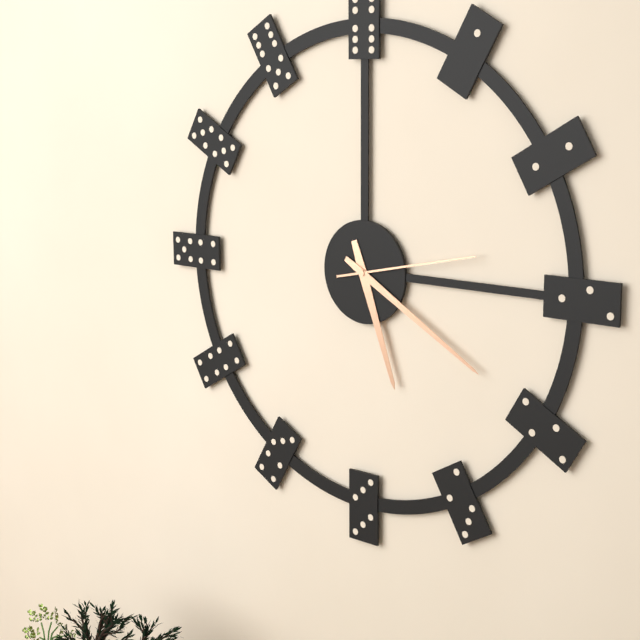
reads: 5,20,13
